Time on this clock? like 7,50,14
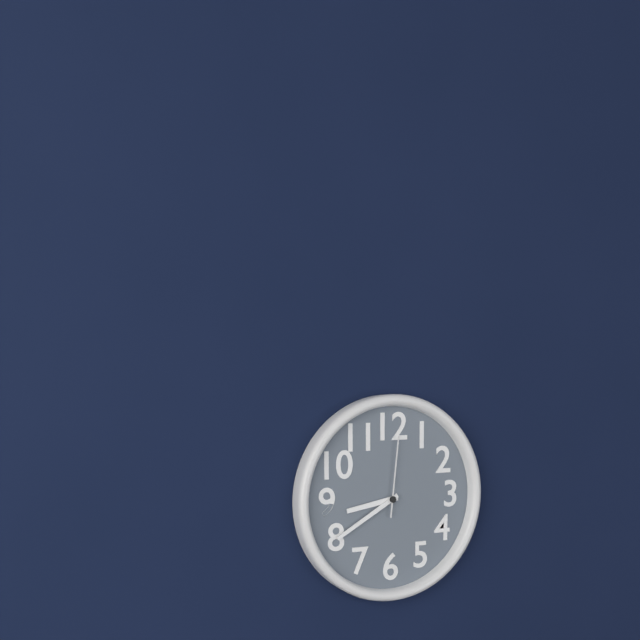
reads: 8,40,01
